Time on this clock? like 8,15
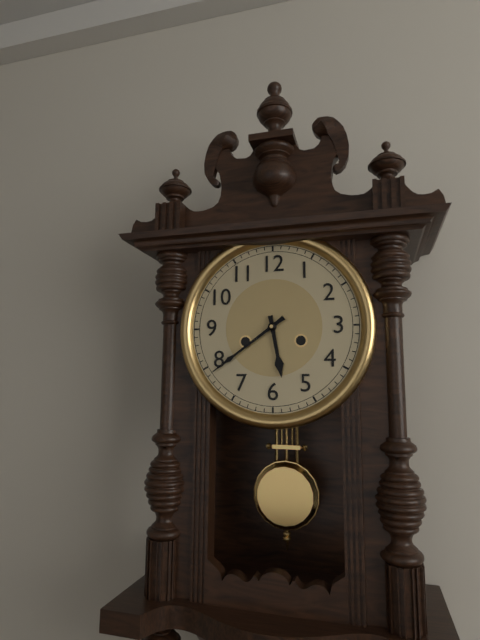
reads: 5,39
